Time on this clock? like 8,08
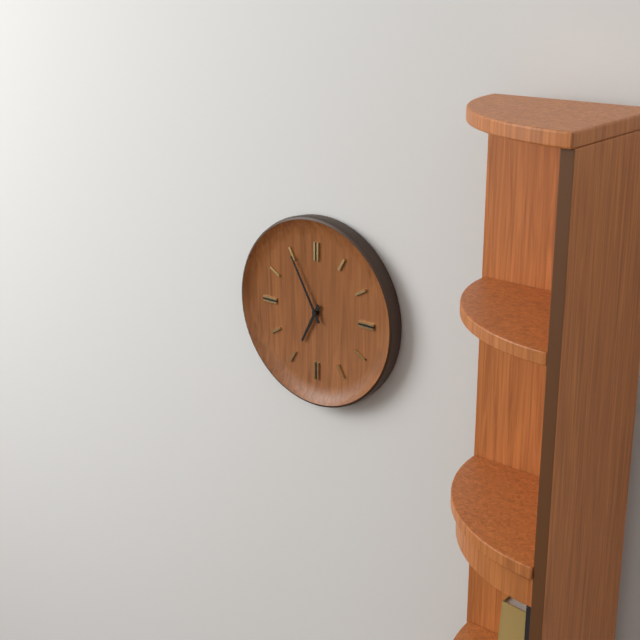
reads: 6,55
